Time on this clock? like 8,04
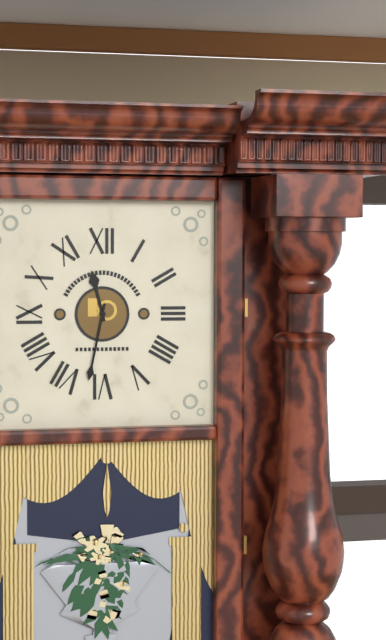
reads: 11,32
